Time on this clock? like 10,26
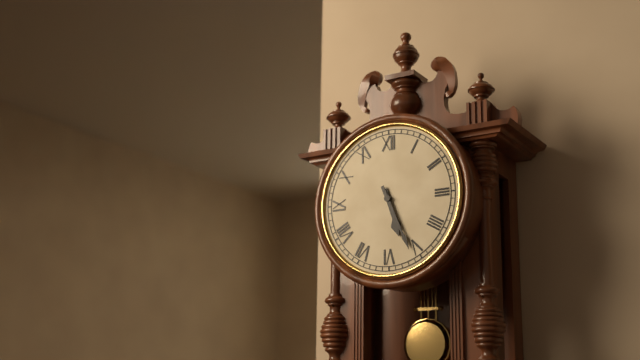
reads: 5,26
